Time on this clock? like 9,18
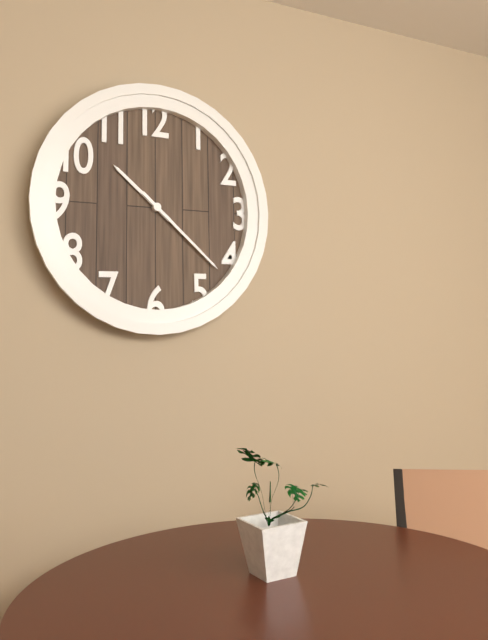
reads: 10,22
